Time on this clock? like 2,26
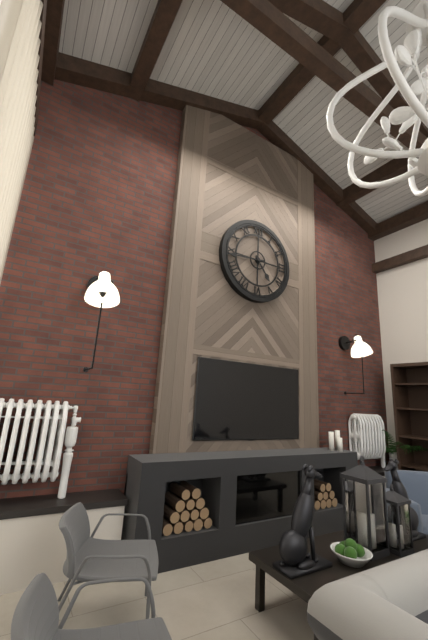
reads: 4,44
